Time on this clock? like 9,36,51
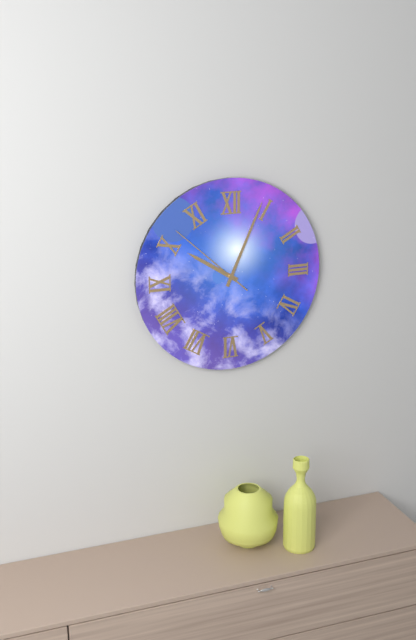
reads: 10,04,52
